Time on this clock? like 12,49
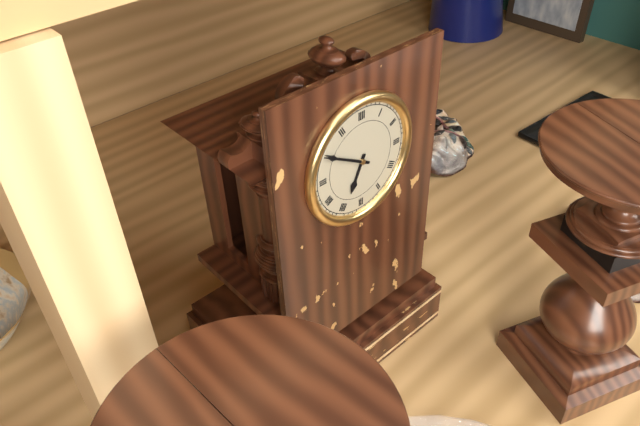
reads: 6,50
